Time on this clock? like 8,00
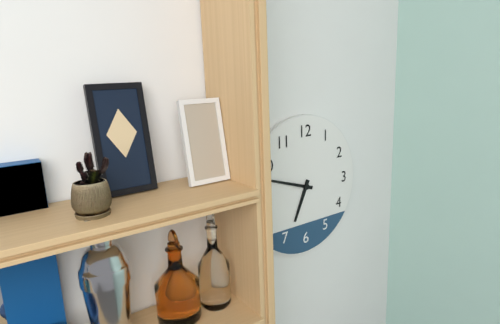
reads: 6,48
